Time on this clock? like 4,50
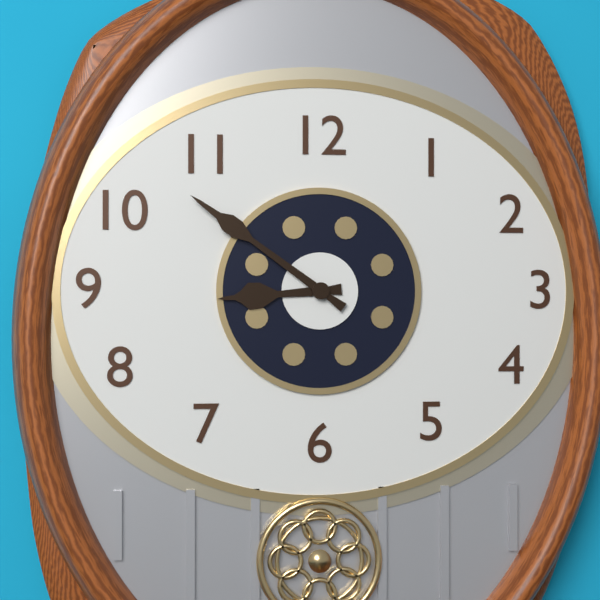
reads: 8,51
